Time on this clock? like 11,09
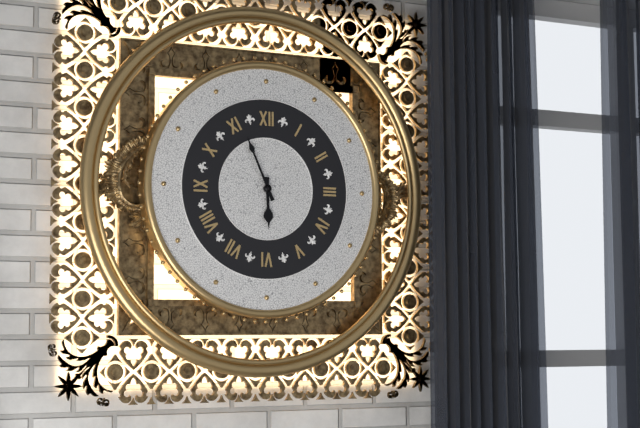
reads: 5,56
